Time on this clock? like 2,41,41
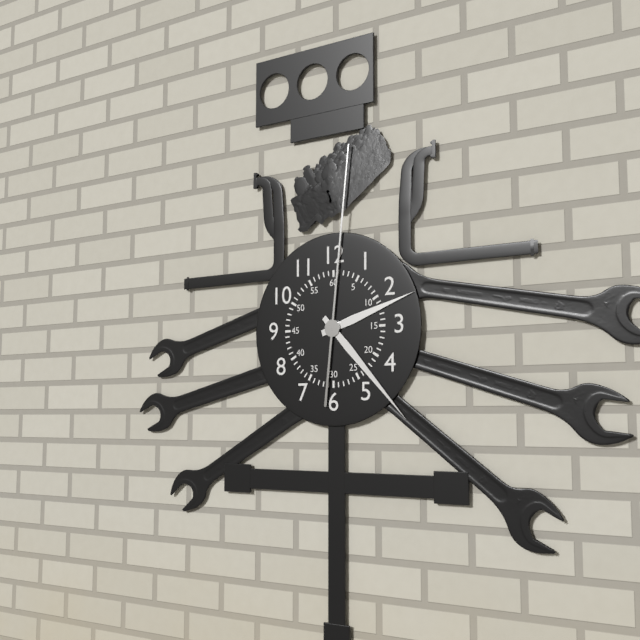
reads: 2,23,01
